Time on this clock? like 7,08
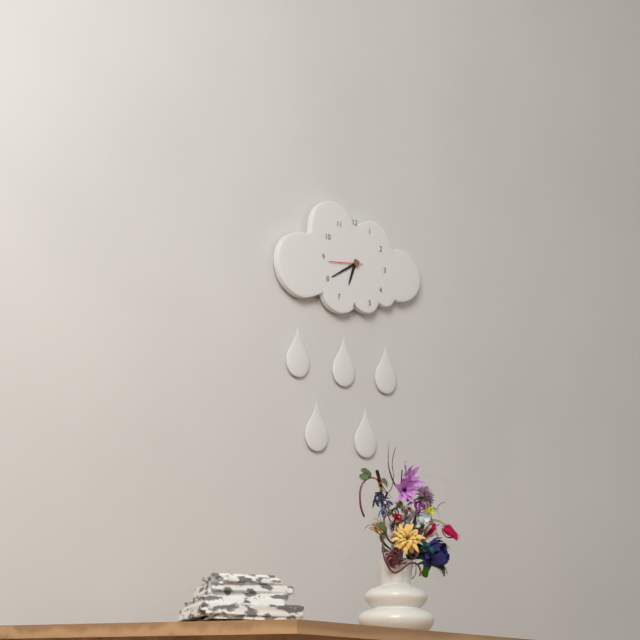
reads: 6,40
